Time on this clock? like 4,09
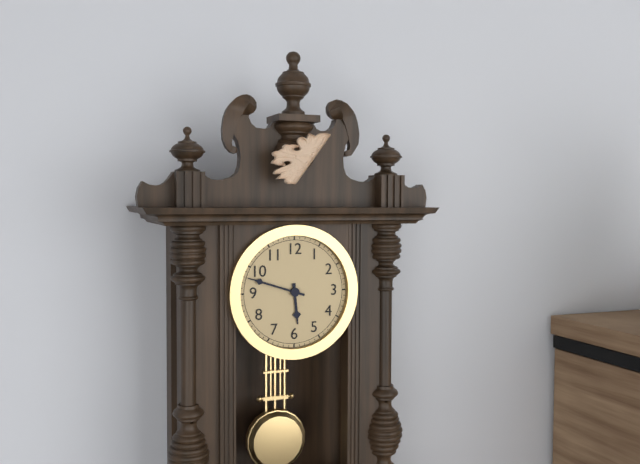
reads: 5,48
